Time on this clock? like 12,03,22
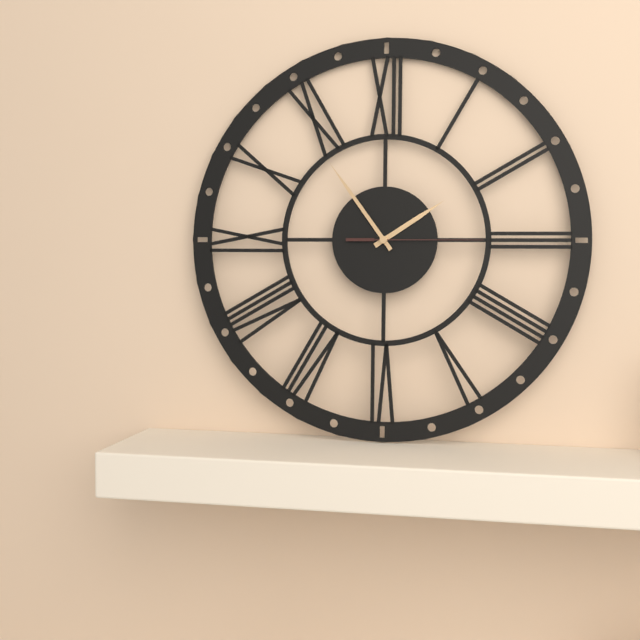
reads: 1,54,15
